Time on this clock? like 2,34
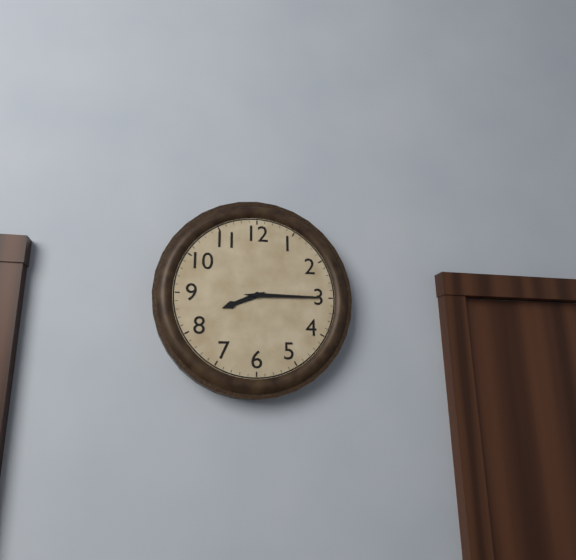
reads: 8,15
